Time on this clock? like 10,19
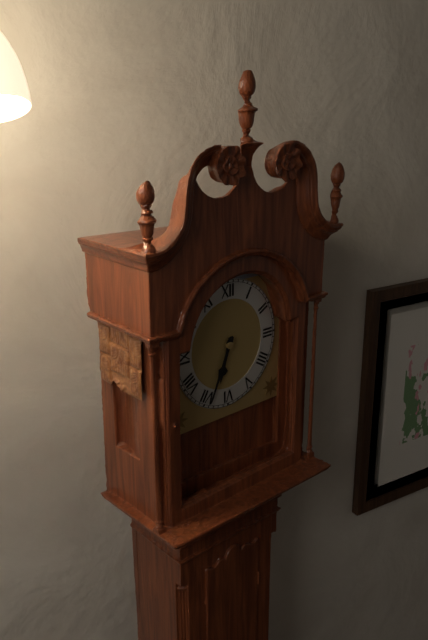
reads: 6,34
